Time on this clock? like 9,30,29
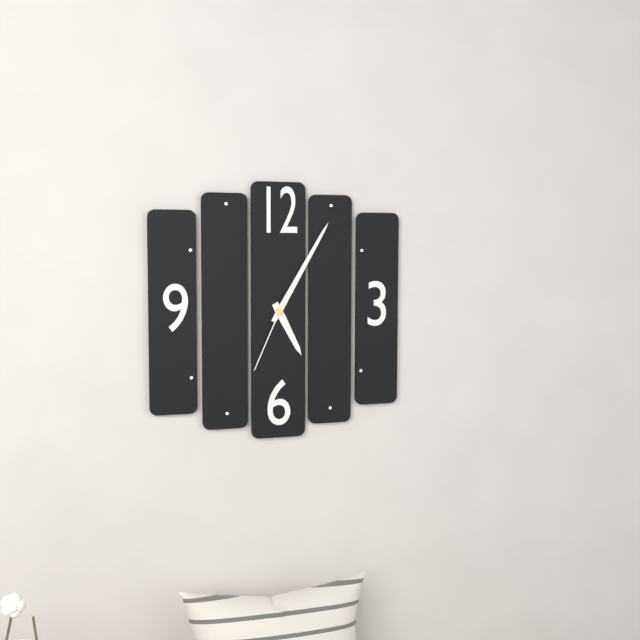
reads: 5,05,34
